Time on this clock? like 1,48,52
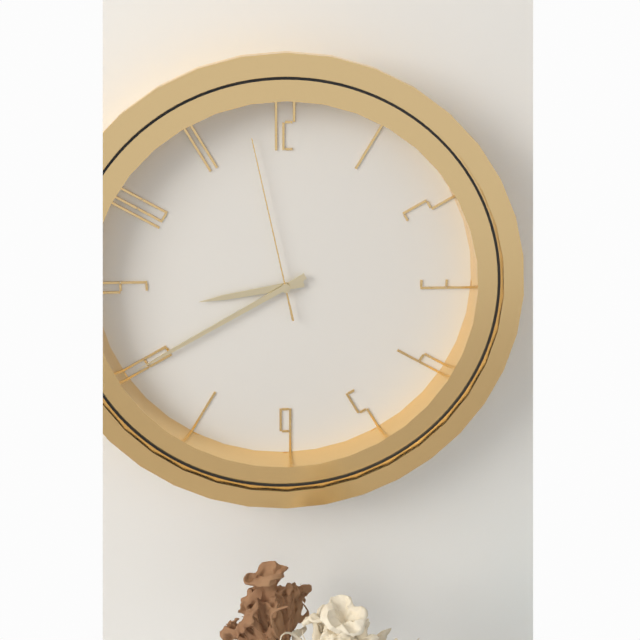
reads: 8,40,58
